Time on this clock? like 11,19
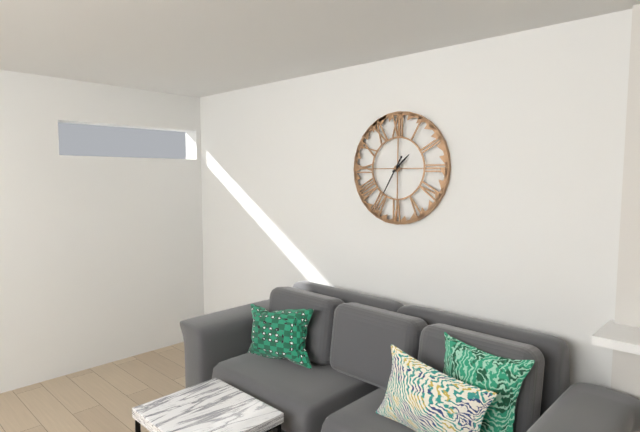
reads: 1,35
